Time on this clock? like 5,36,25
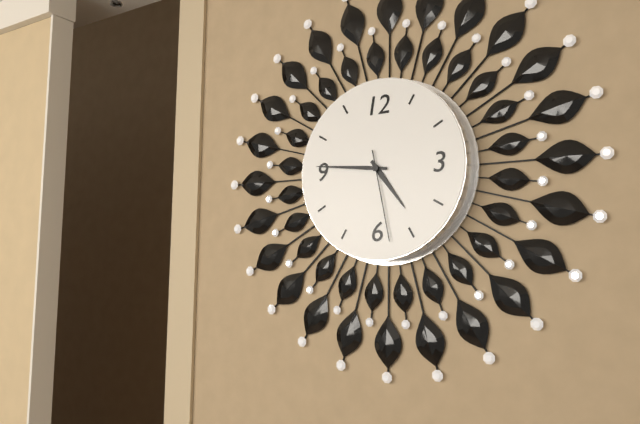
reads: 4,46,28
